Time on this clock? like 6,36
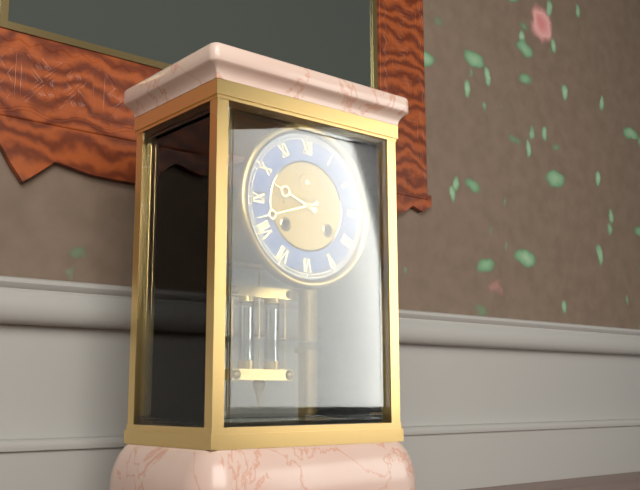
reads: 9,42
